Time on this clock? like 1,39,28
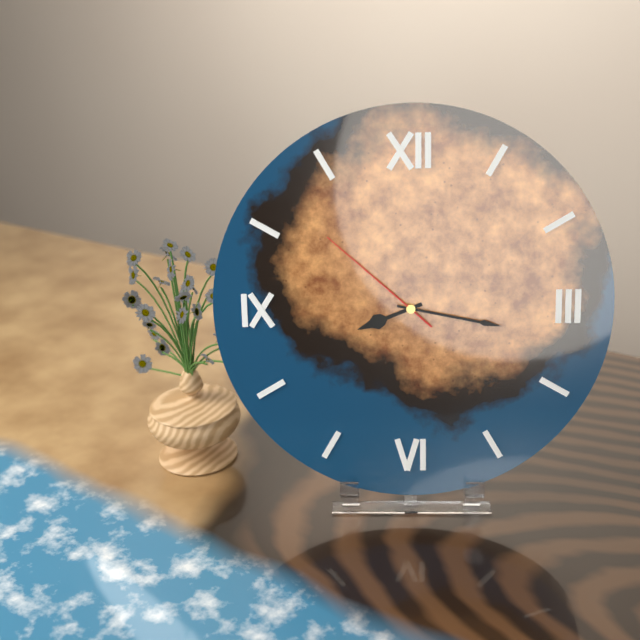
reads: 8,17,52
